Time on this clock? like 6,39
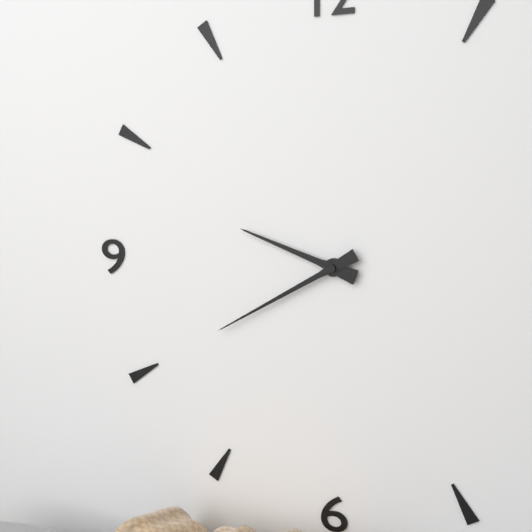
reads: 9,40
